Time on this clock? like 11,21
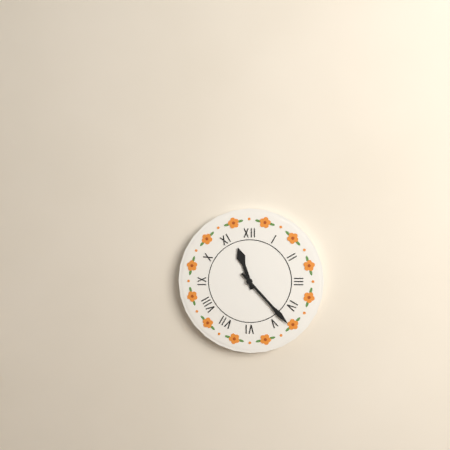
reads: 11,23
